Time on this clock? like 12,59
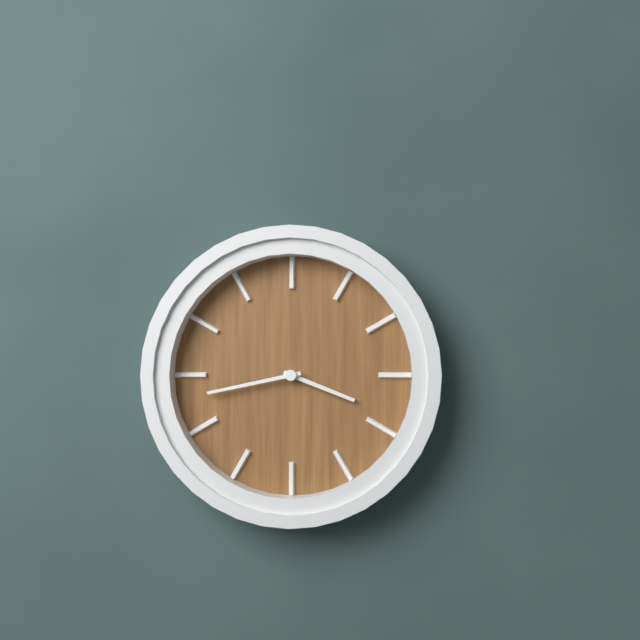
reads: 3,43
